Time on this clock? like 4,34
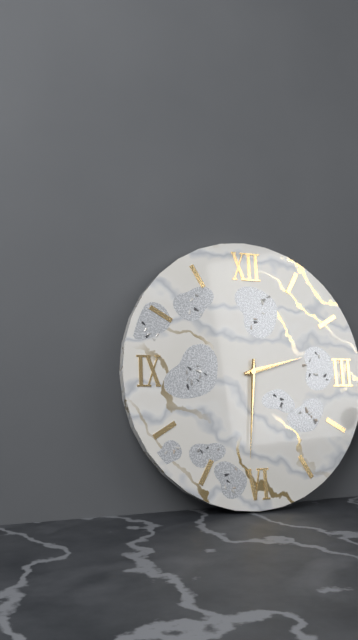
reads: 2,31
